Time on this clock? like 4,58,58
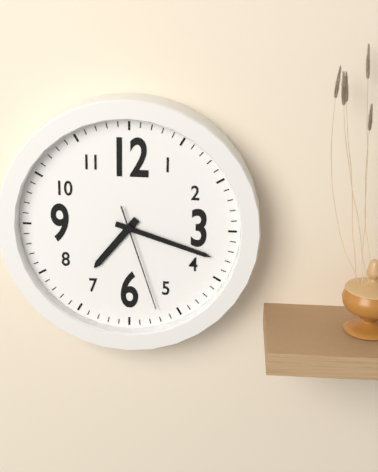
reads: 7,18,27
